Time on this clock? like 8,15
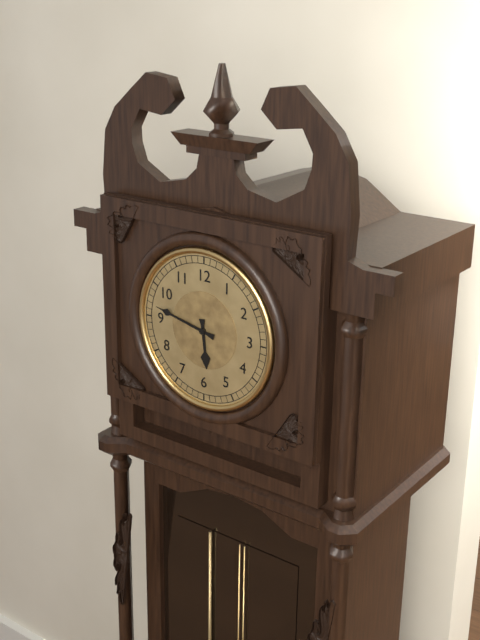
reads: 5,47
